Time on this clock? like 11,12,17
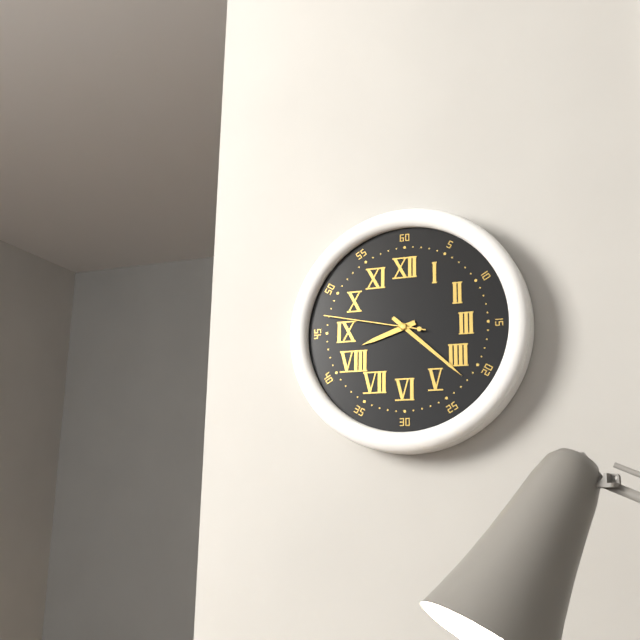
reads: 8,22,47
